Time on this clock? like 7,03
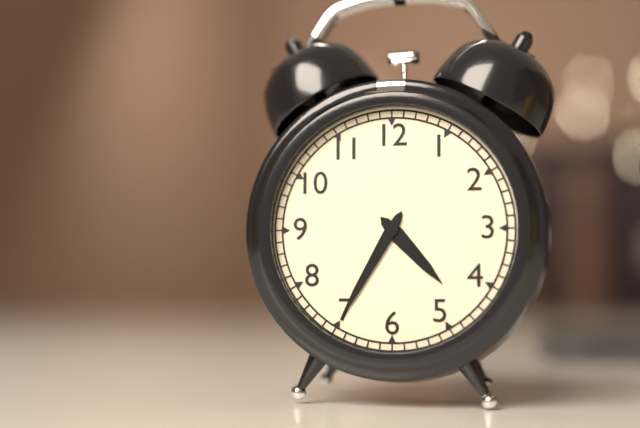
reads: 4,35
